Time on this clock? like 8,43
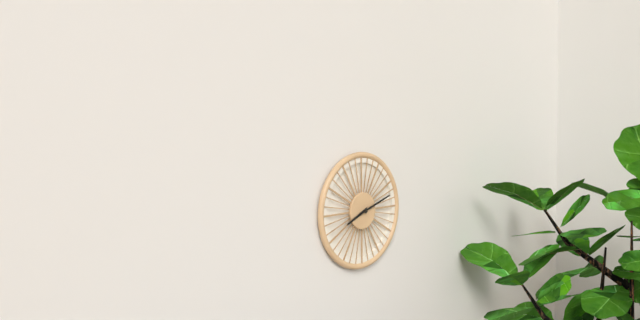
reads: 8,12
